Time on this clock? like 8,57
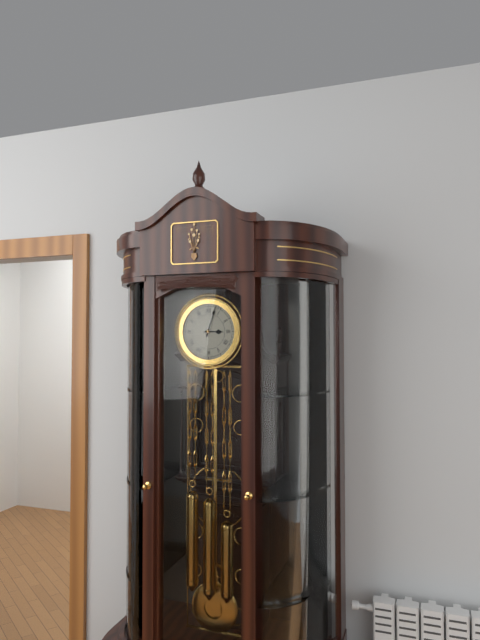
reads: 3,03
